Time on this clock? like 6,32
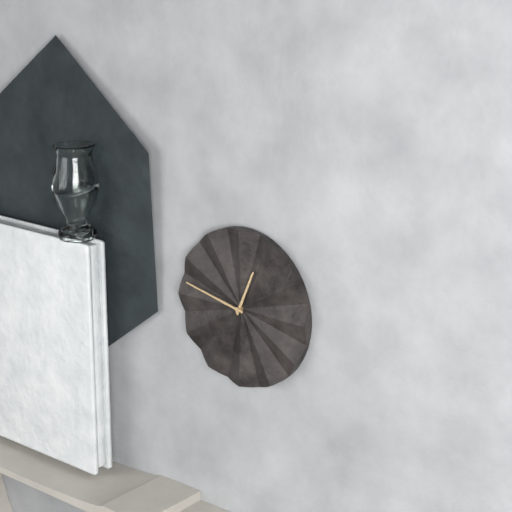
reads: 12,47
